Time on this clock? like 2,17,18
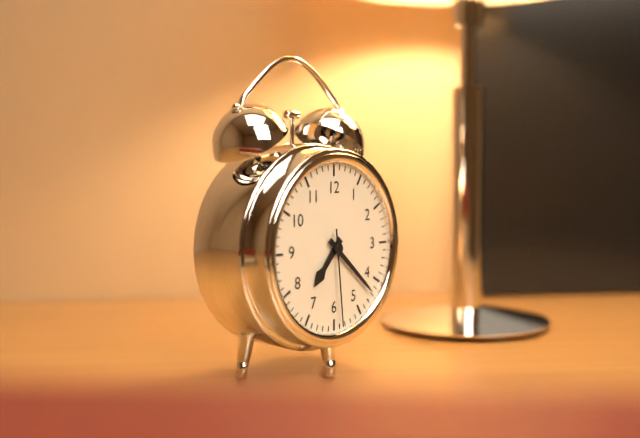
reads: 7,22,29
